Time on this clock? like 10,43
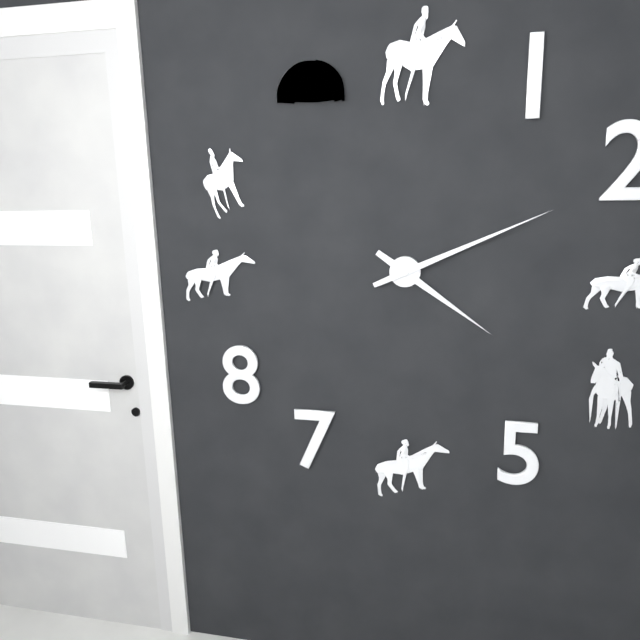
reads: 4,11
